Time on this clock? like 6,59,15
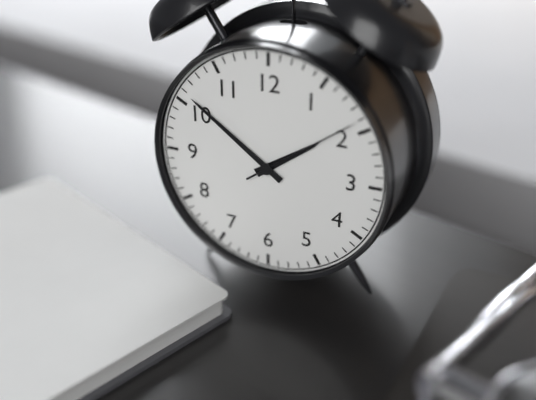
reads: 1,51,09
